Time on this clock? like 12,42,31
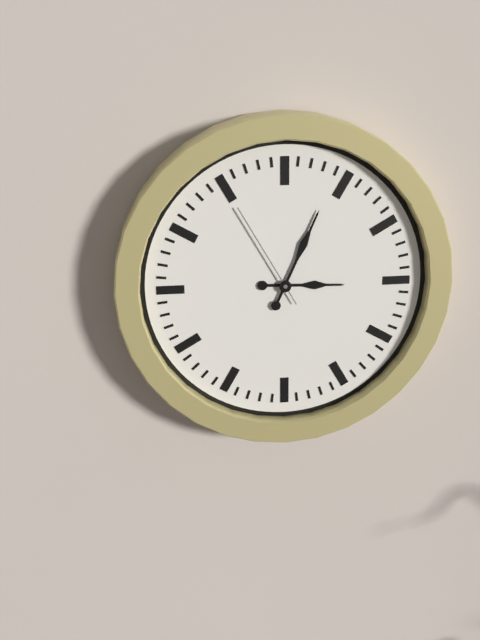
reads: 3,04,55
